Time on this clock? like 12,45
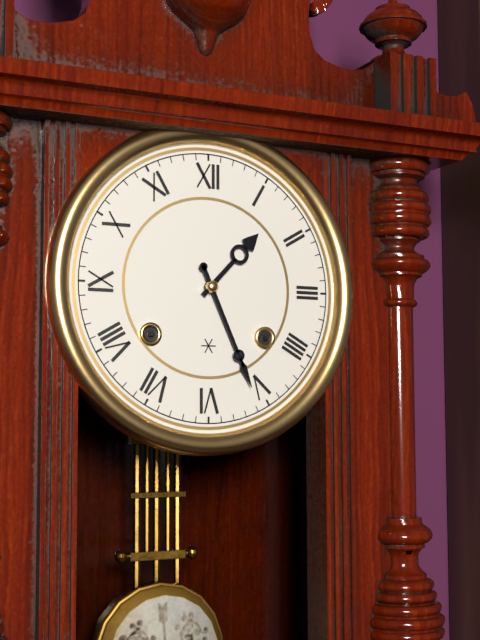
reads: 1,26
